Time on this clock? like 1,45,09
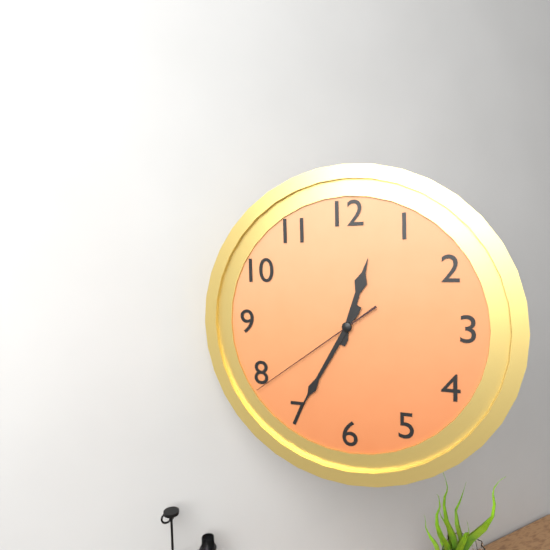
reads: 12,35,39
